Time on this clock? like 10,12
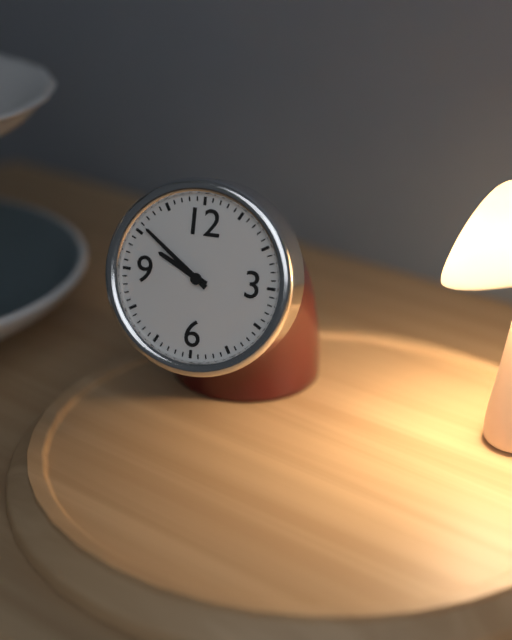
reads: 9,51
